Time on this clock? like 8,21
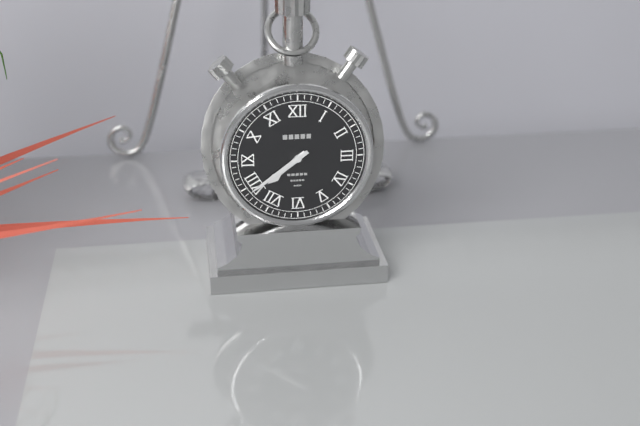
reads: 7,39
